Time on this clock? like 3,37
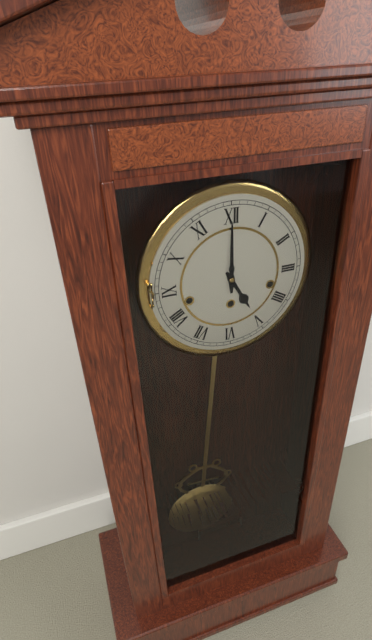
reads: 5,00
